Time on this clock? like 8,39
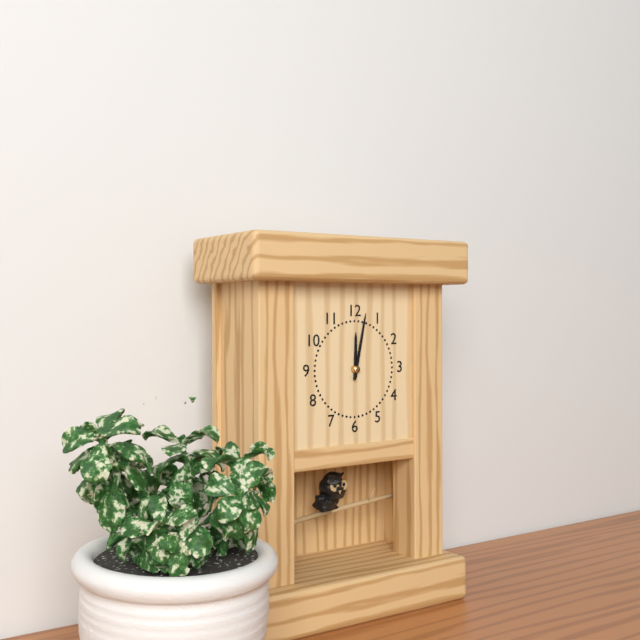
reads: 12,02
